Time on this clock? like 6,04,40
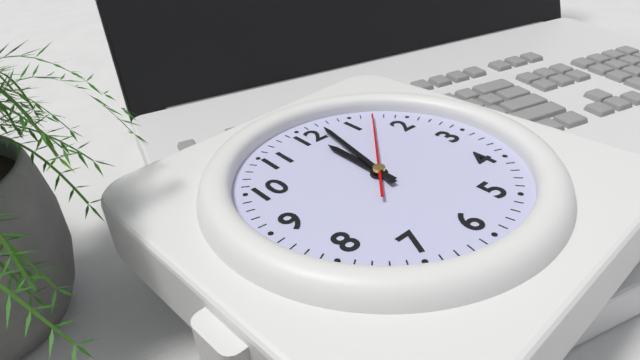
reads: 12,02,07
